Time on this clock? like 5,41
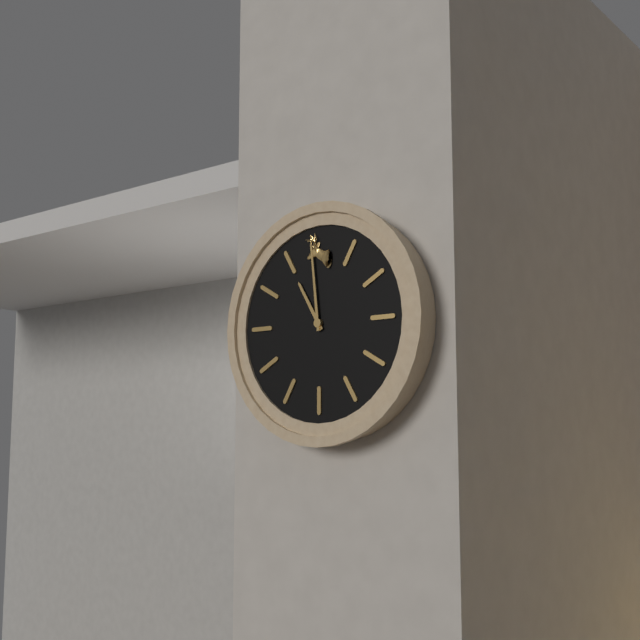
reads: 10,59
